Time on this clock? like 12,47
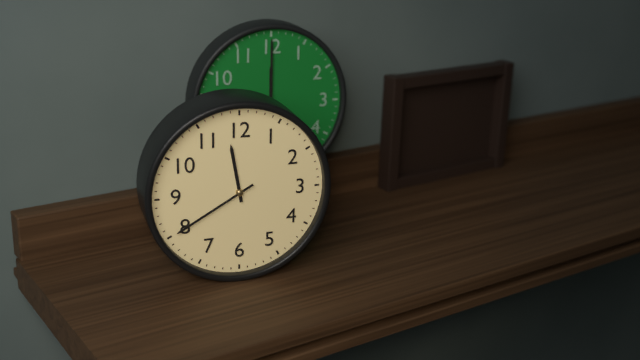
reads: 11,40
